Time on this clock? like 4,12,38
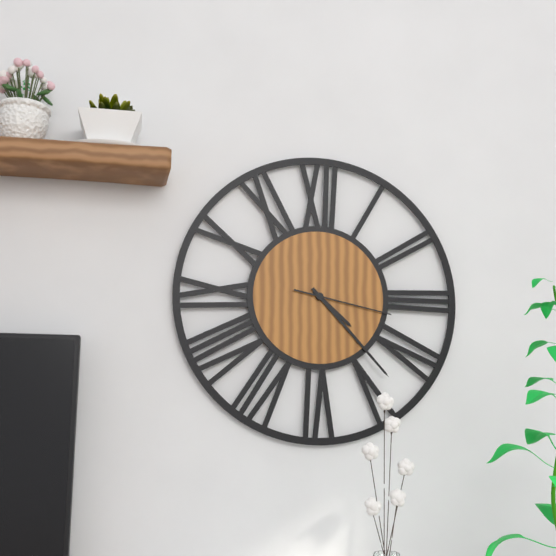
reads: 4,23,17
